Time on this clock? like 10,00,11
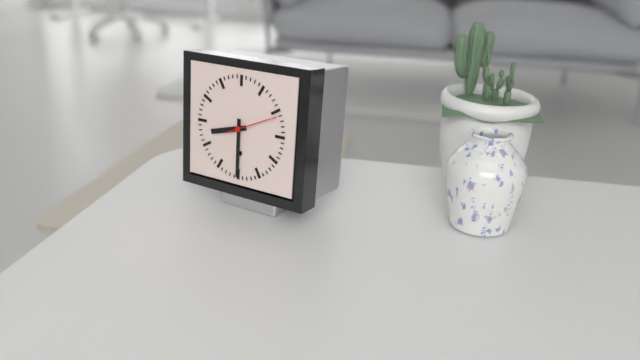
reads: 8,30,11
